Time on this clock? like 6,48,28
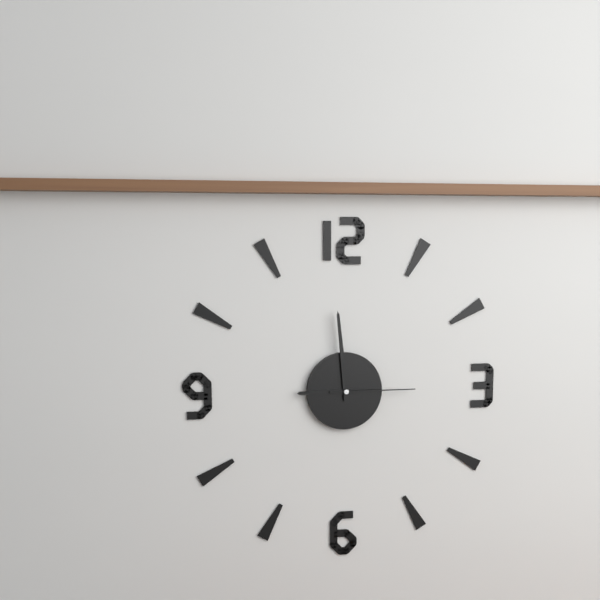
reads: 8,59,15
